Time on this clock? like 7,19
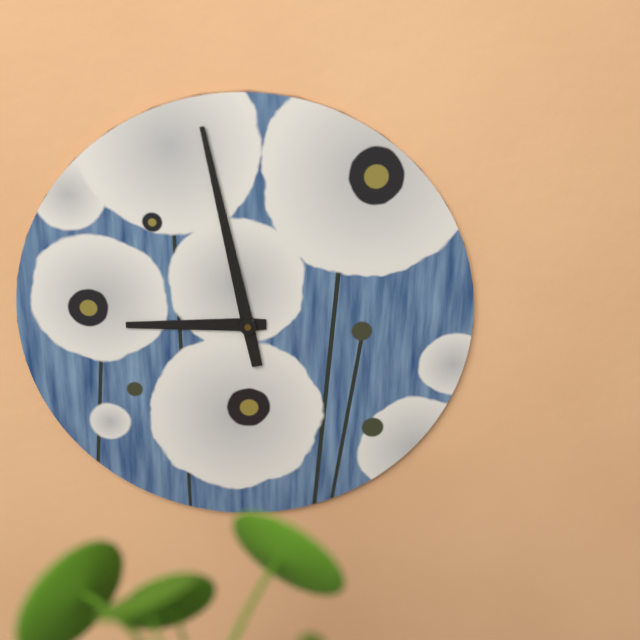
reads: 8,58
